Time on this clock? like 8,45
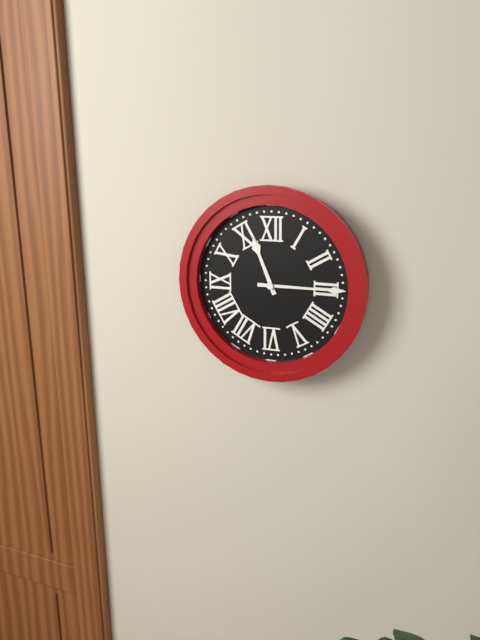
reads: 11,15
